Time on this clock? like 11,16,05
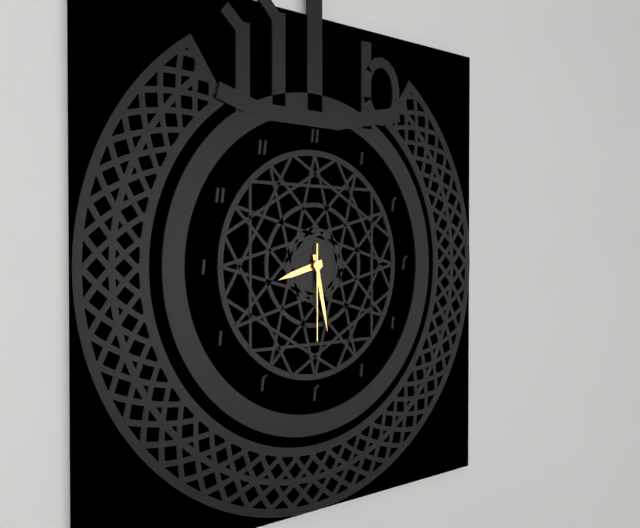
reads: 8,28,30
